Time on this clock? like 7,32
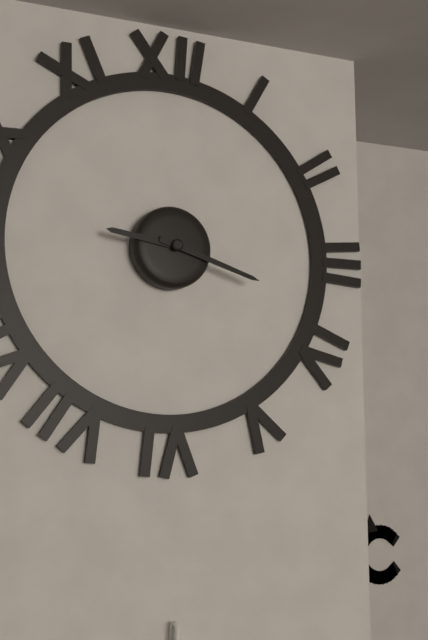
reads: 9,18
